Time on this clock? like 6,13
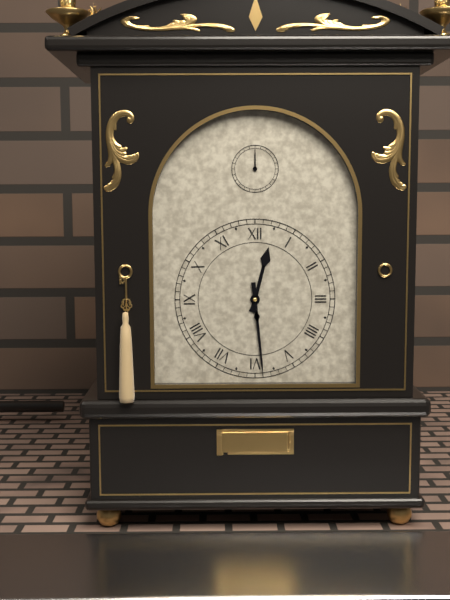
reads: 12,29
